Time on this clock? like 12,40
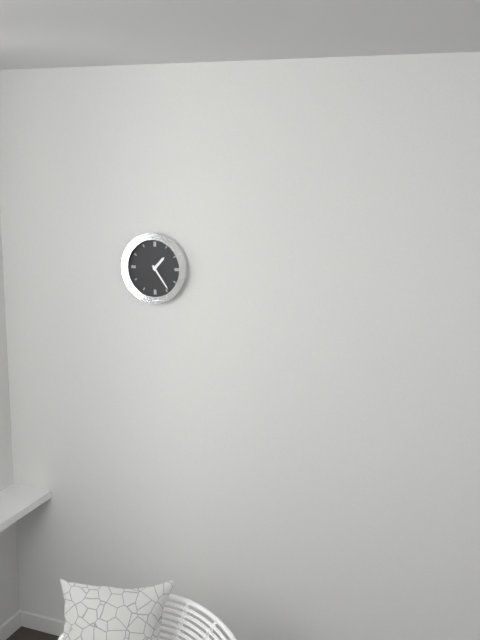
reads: 1,24
